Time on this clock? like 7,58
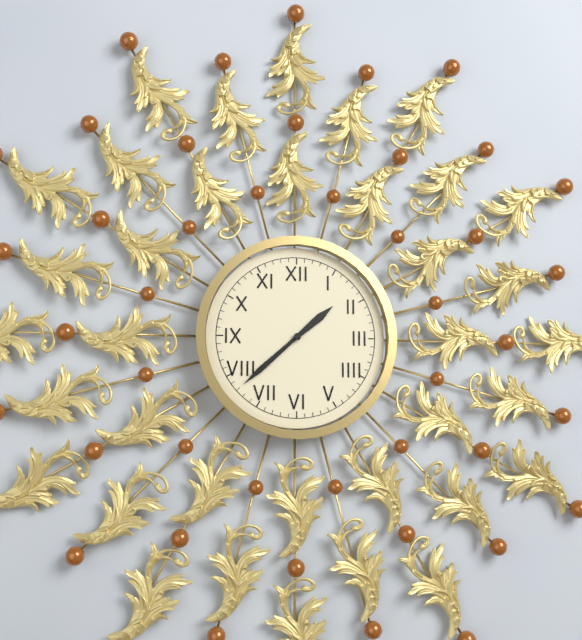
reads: 1,38
